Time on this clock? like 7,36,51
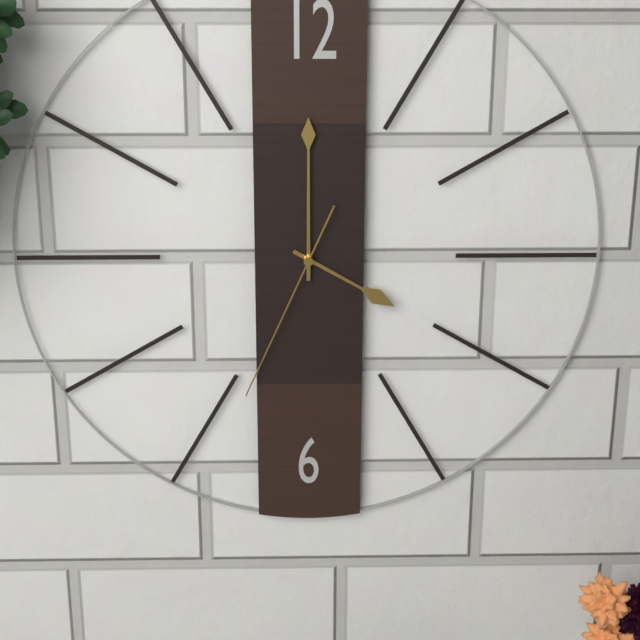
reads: 4,00,34
